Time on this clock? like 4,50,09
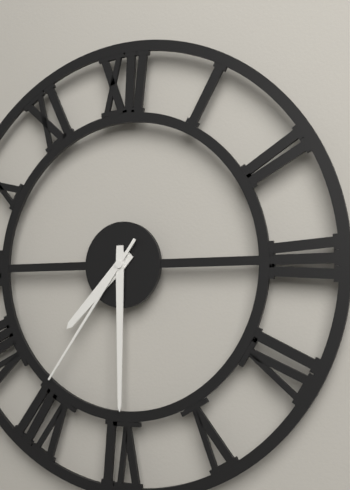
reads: 7,30,36
